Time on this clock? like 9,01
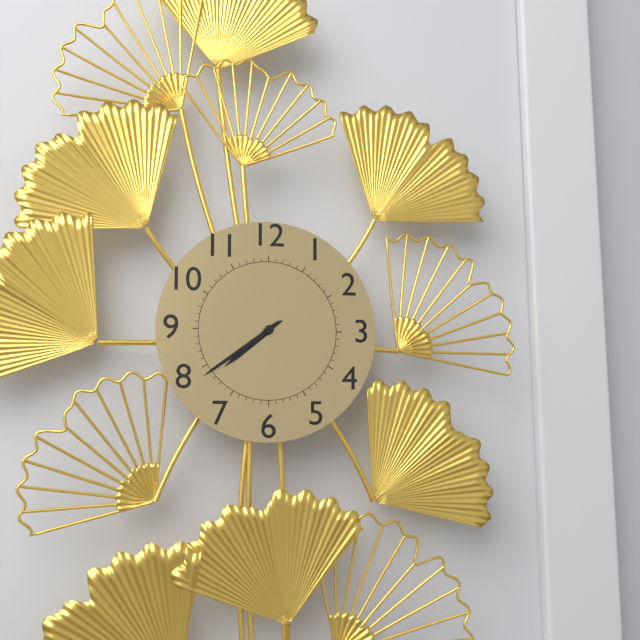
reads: 7,39
